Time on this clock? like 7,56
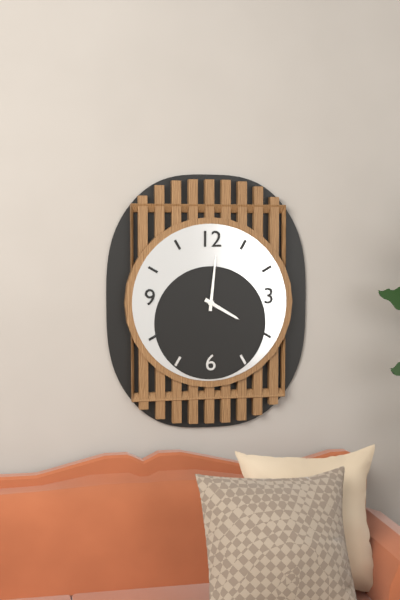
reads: 4,01
